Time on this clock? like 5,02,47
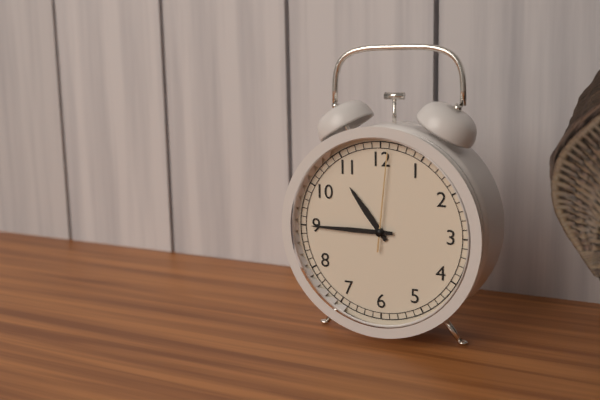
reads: 10,45,01
